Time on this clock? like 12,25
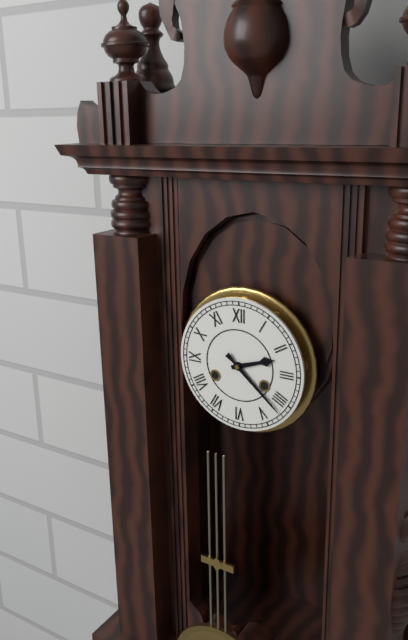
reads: 2,22
